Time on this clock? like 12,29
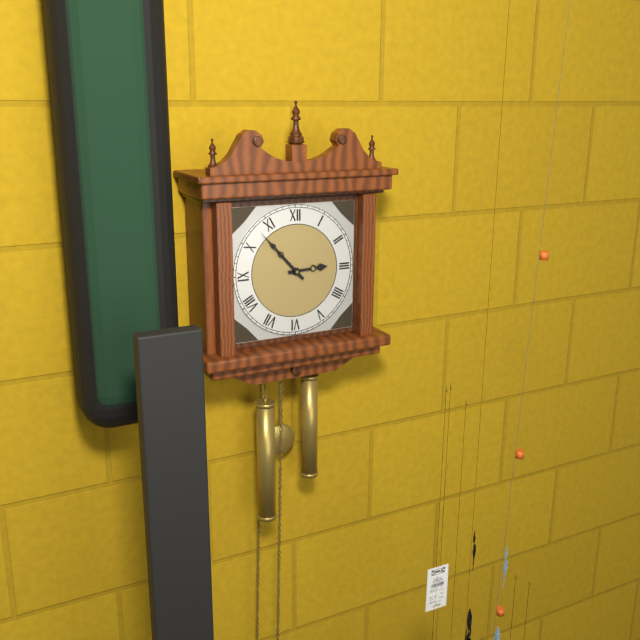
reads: 2,53
